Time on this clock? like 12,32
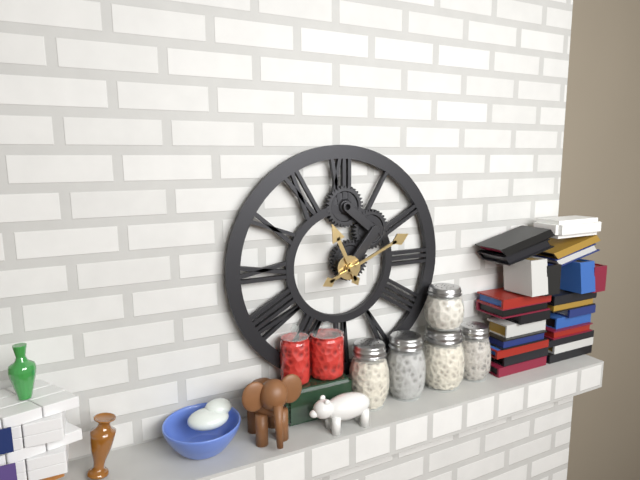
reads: 11,11
